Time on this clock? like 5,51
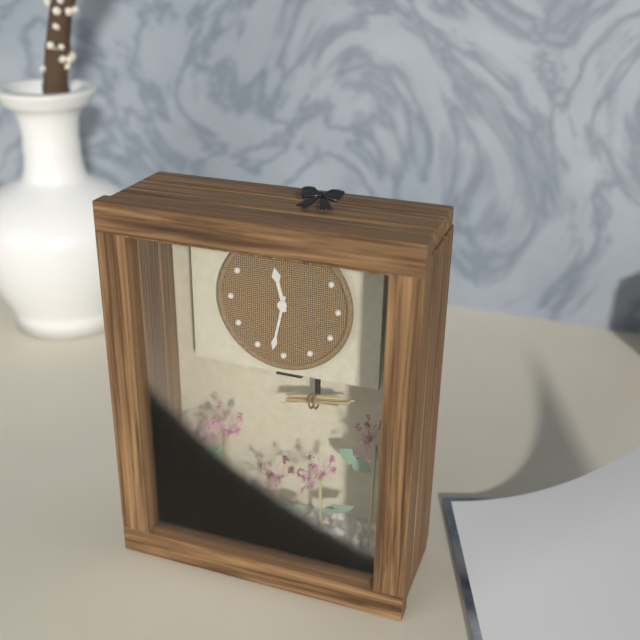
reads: 11,32
